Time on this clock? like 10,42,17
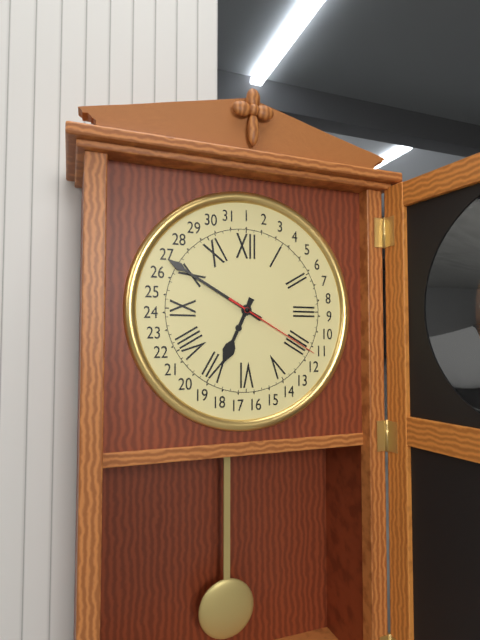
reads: 6,50,20
